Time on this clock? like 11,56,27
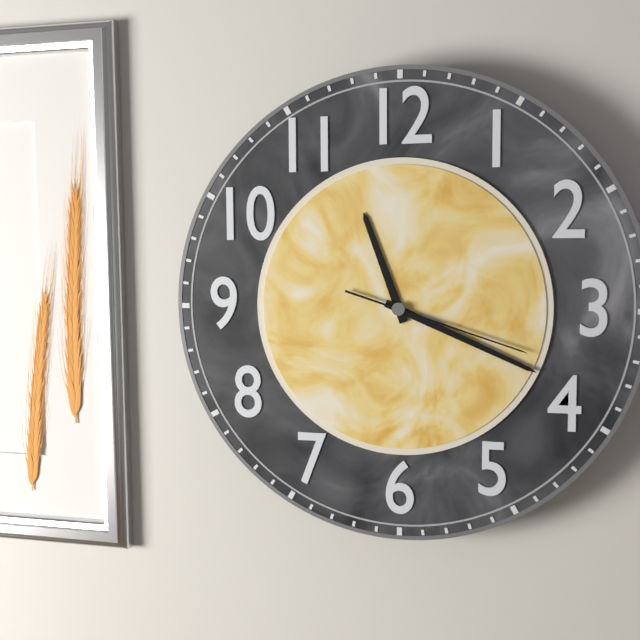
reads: 11,19,18
